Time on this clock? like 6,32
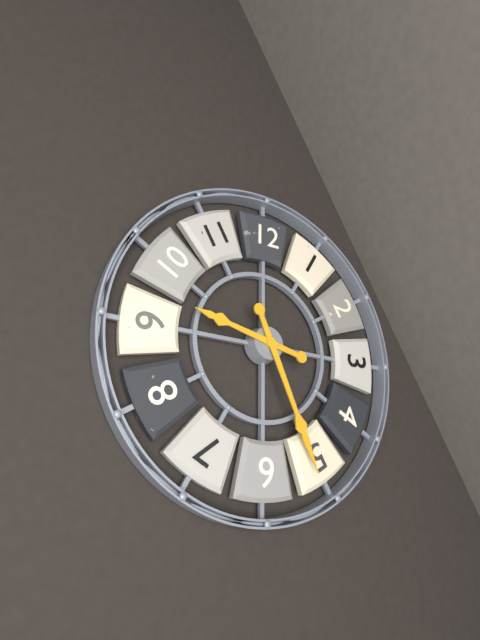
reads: 9,26
